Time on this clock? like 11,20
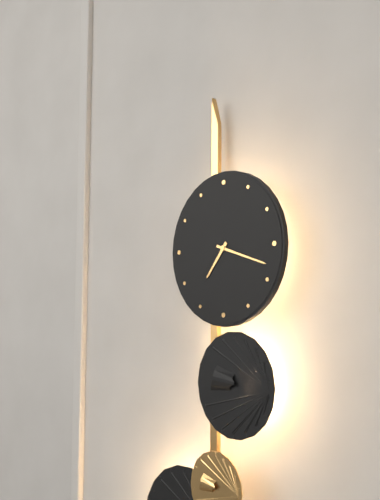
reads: 7,18
